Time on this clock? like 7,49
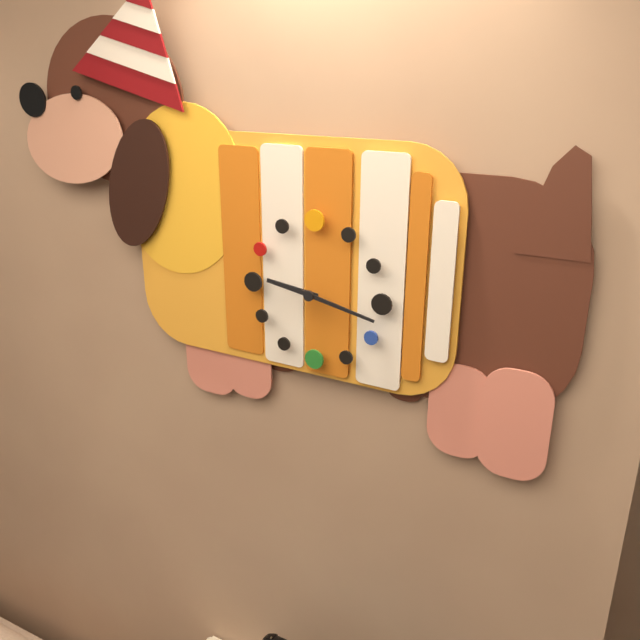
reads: 9,17
